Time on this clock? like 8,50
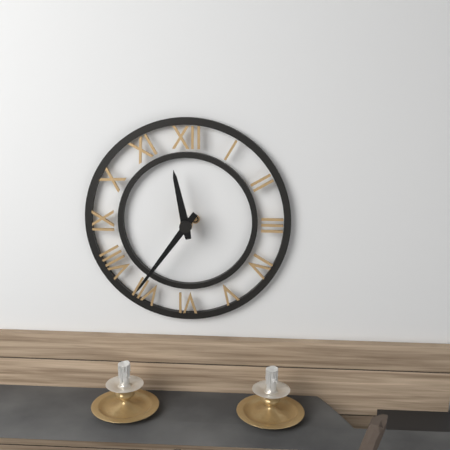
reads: 11,36
